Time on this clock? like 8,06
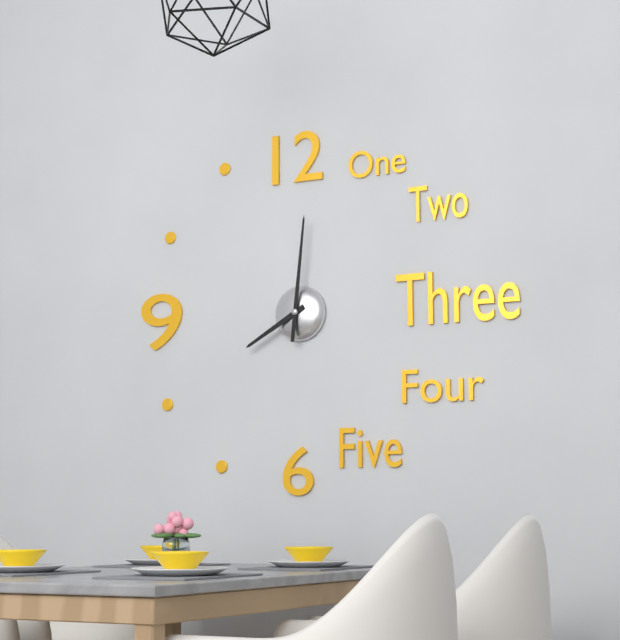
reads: 8,01
